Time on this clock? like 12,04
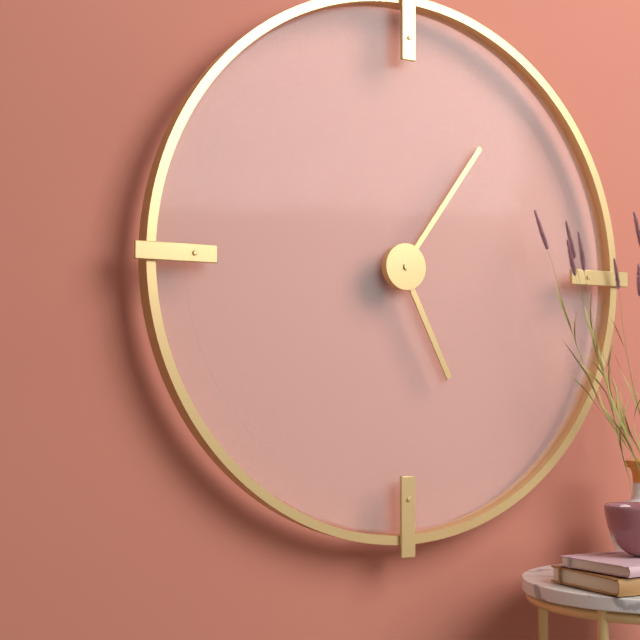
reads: 5,06
